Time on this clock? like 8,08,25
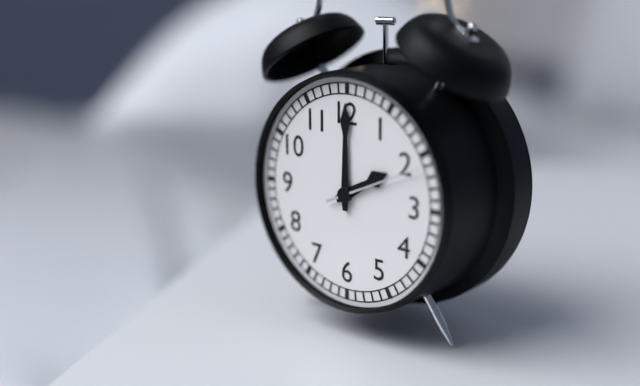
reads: 2,00,11
